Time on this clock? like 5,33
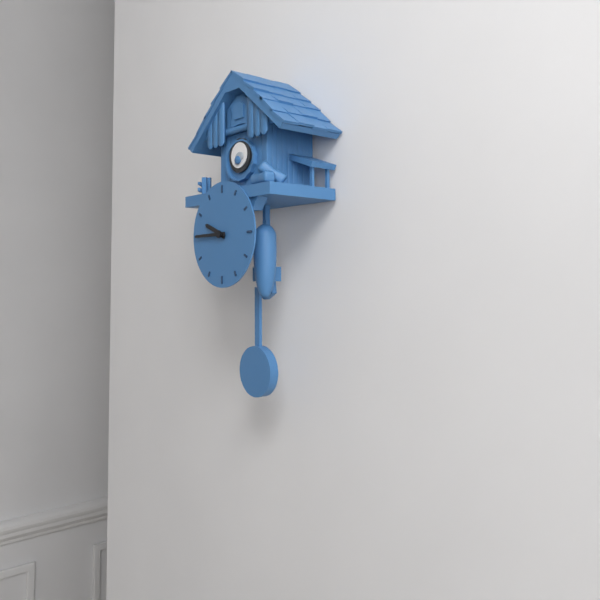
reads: 9,45
